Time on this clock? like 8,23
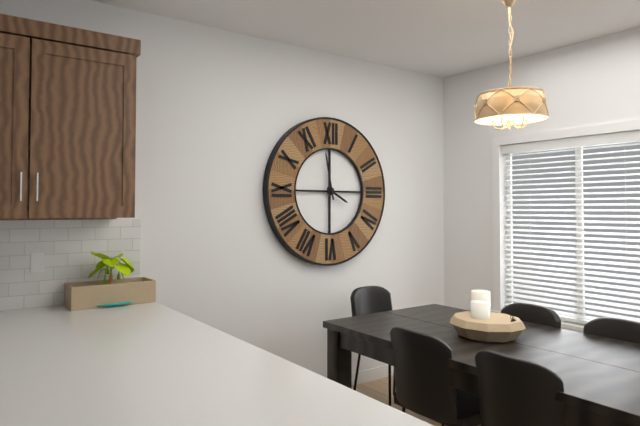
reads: 3,58
